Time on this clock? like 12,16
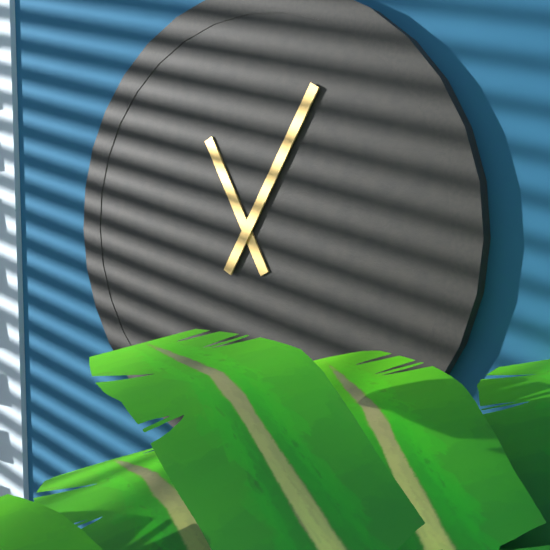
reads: 11,05
